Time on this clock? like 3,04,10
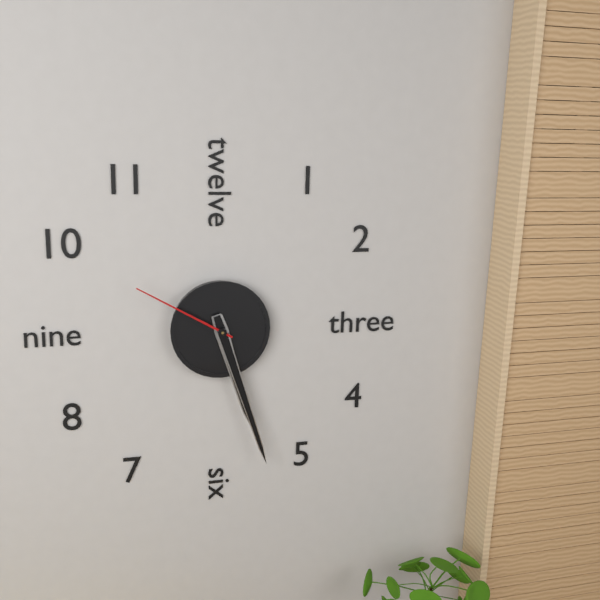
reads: 5,27,50
